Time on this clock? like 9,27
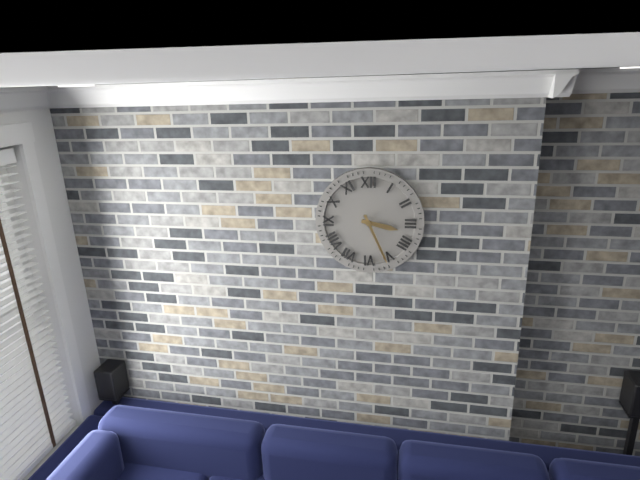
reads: 3,26
